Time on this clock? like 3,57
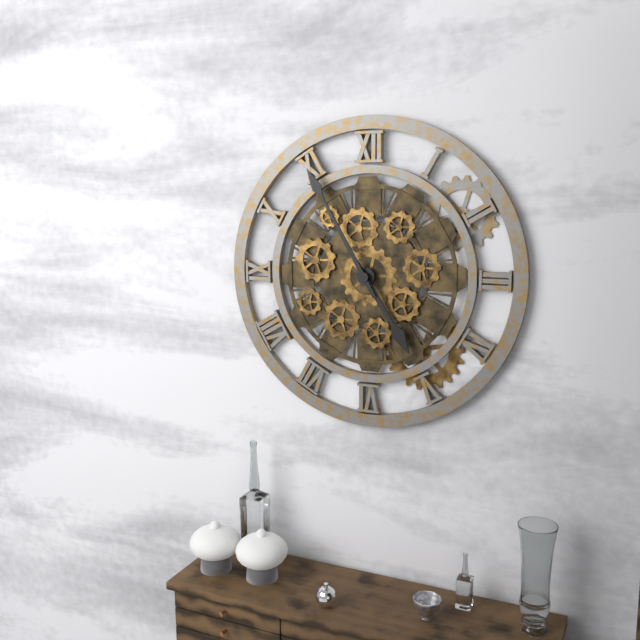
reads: 4,55
